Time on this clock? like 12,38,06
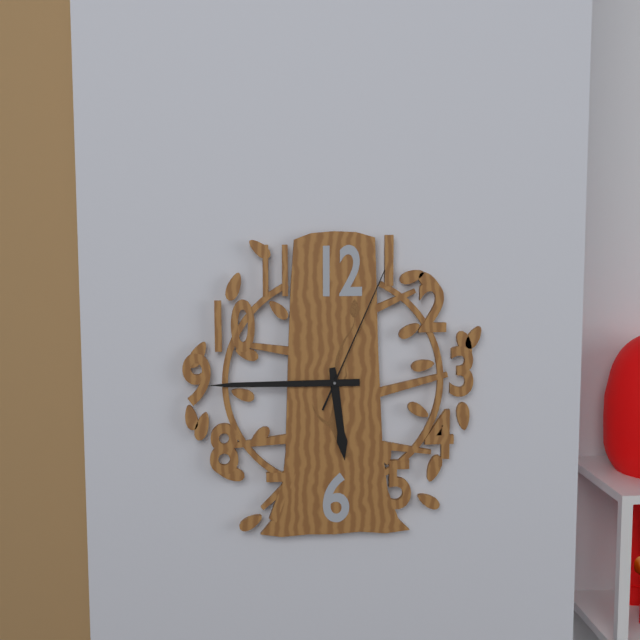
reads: 5,45,04
